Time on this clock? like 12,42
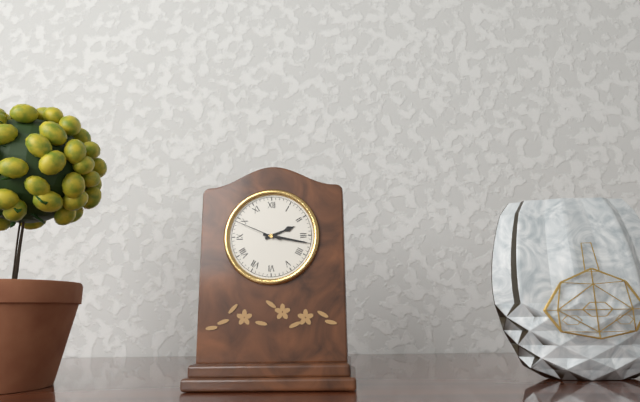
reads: 2,17
